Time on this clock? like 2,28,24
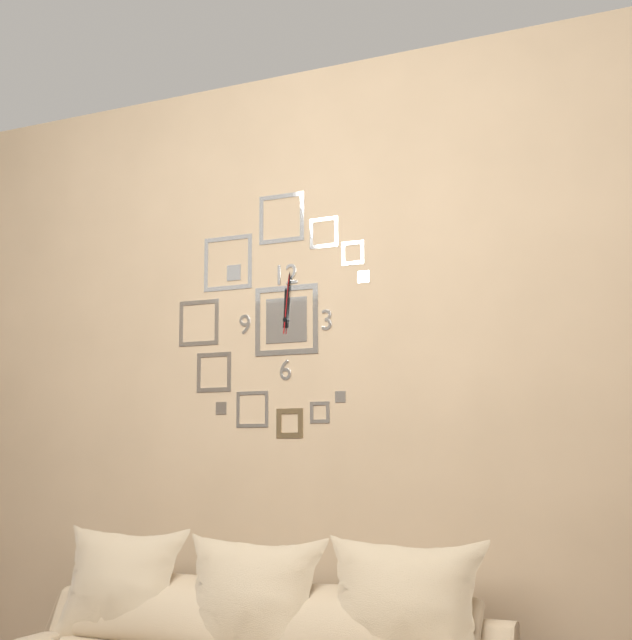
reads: 12,01,01
